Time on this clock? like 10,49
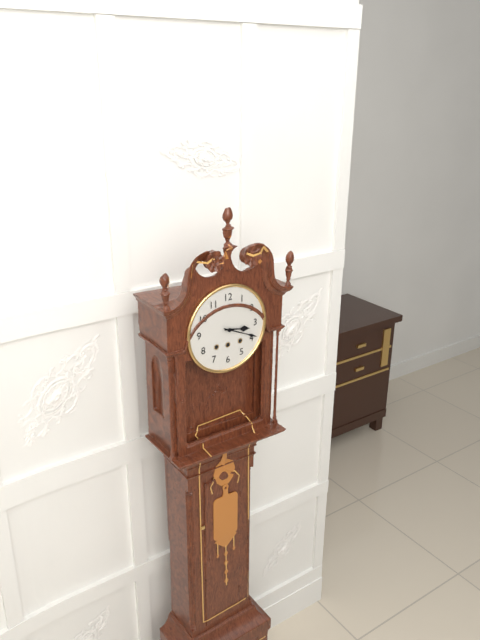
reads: 3,19
